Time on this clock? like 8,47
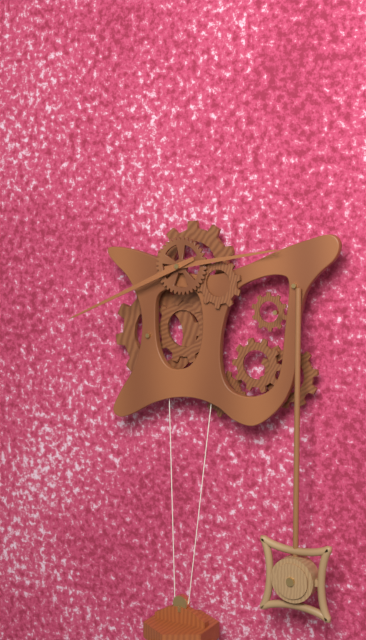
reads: 2,41
